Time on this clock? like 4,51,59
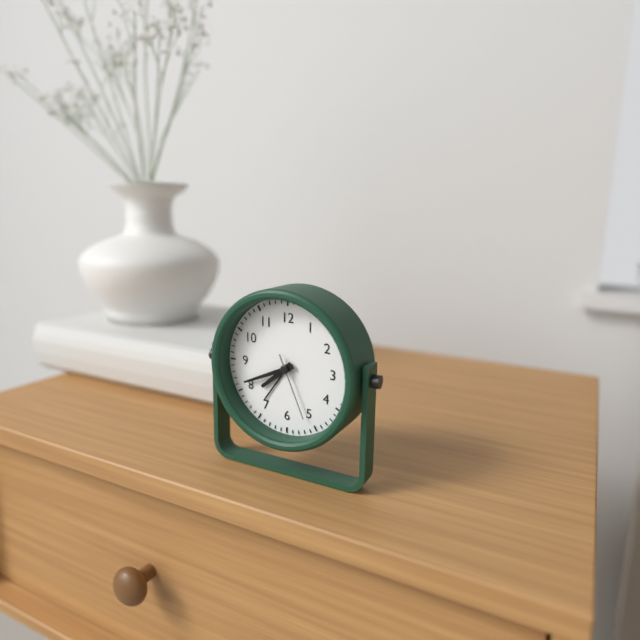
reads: 7,41,26
